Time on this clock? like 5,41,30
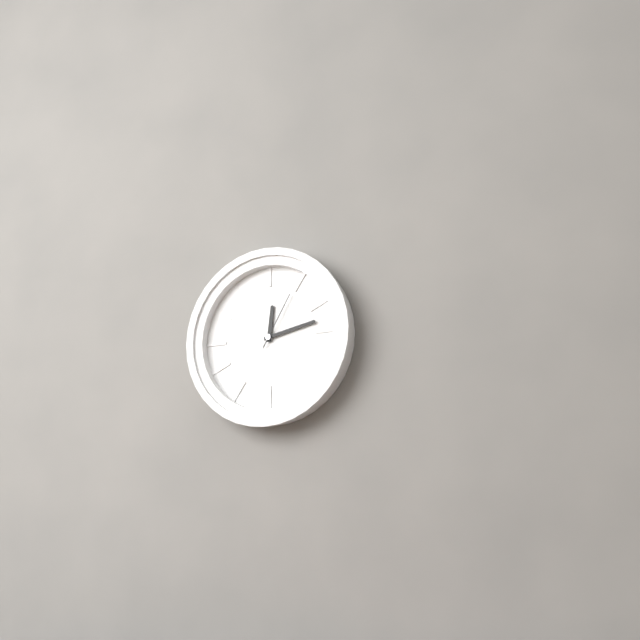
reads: 12,13,05
